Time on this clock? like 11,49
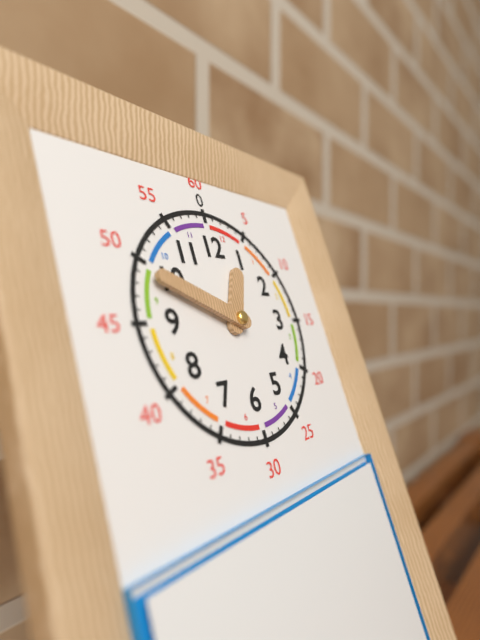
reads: 12,49
